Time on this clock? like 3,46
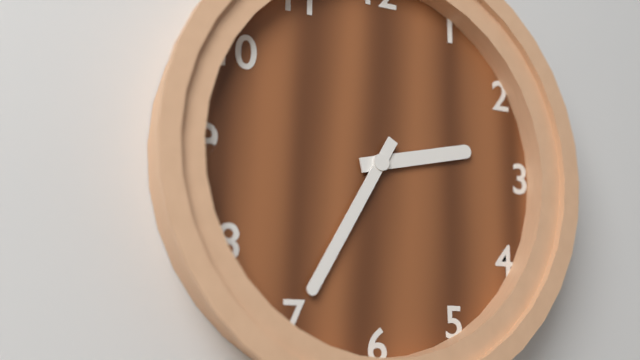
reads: 2,35
